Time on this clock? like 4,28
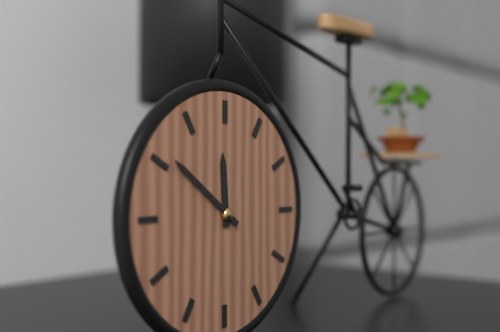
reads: 11,51
